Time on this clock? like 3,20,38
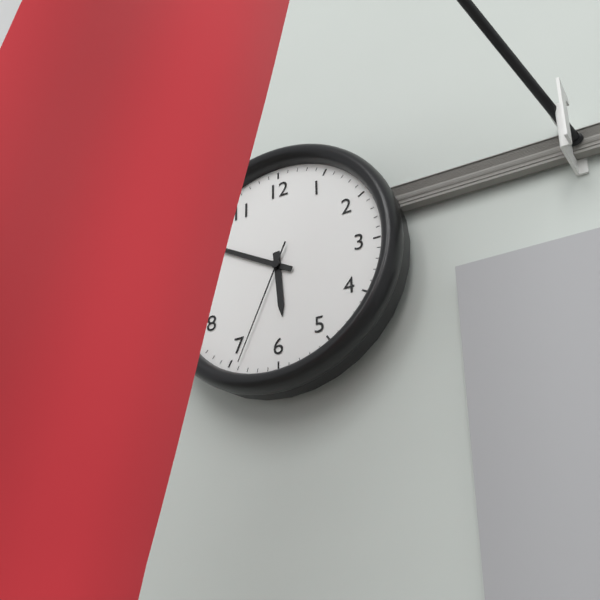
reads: 5,50,34
